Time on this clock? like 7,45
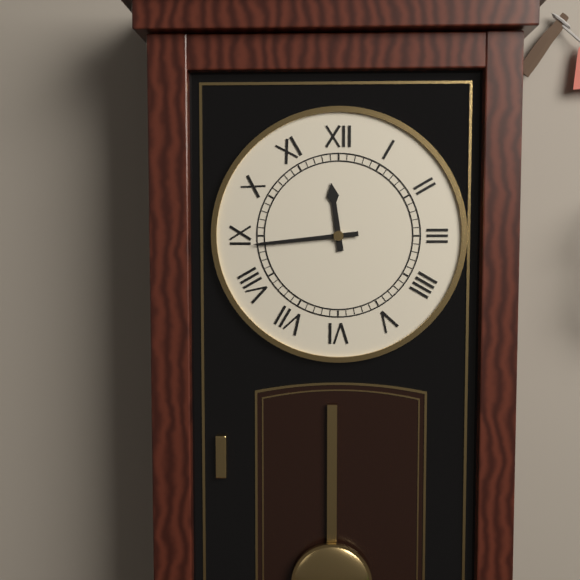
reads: 11,44
